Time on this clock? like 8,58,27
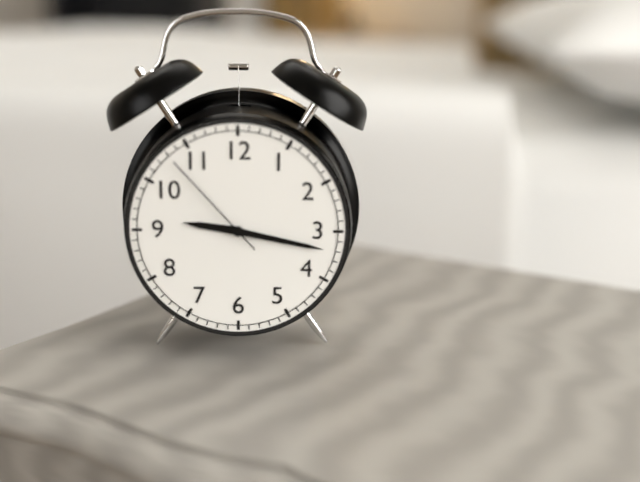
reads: 9,17,53
